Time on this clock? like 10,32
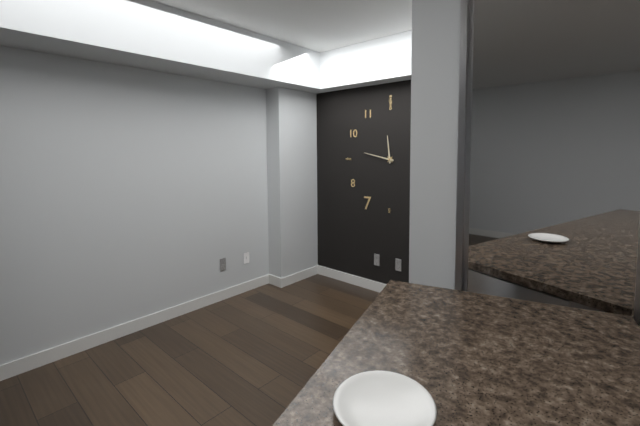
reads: 11,47
